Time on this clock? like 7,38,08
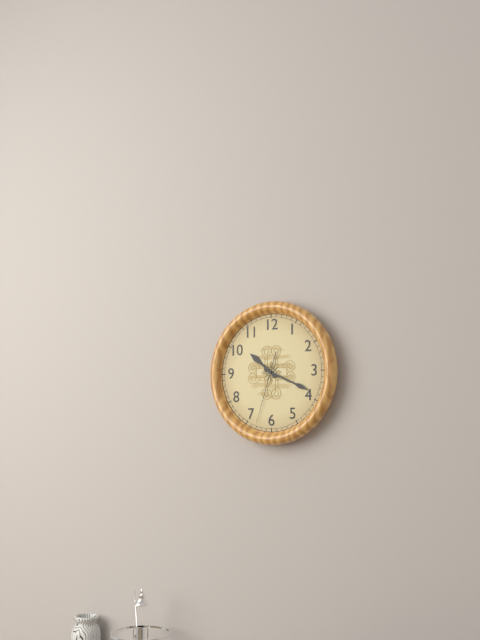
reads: 10,19,33
